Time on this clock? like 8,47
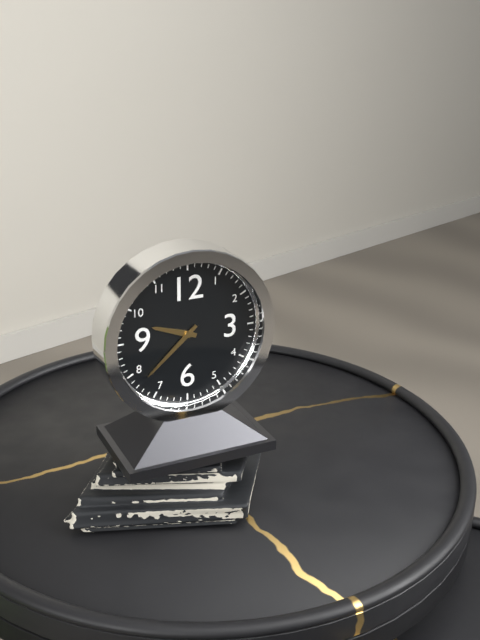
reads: 9,38
